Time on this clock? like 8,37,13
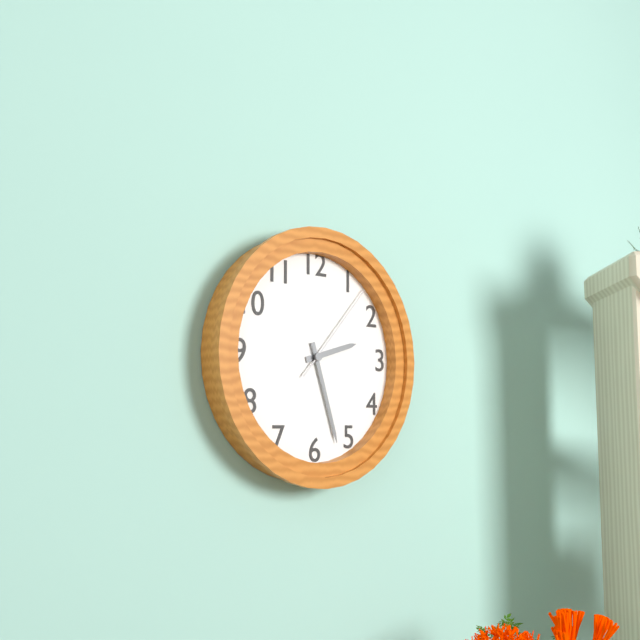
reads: 2,27,07
